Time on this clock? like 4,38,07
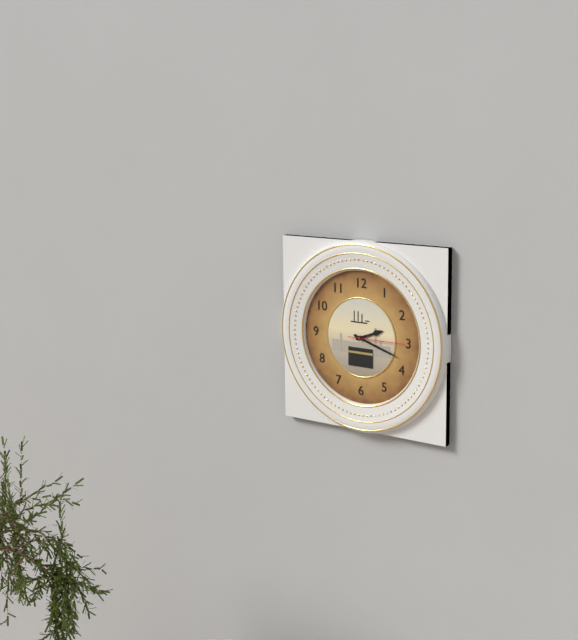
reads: 2,18,15
